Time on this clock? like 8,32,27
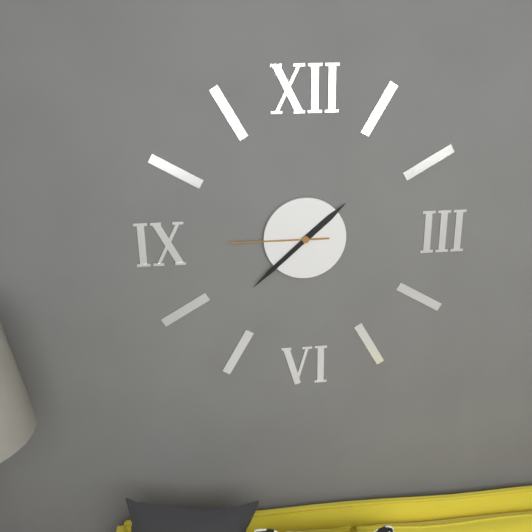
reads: 1,38,45
